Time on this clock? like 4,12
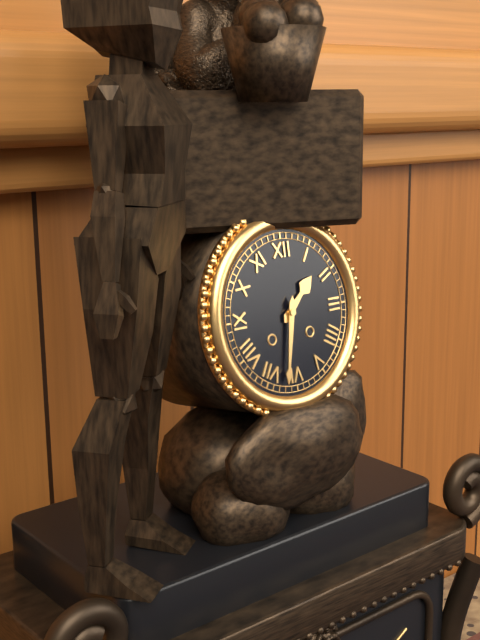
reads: 1,32
